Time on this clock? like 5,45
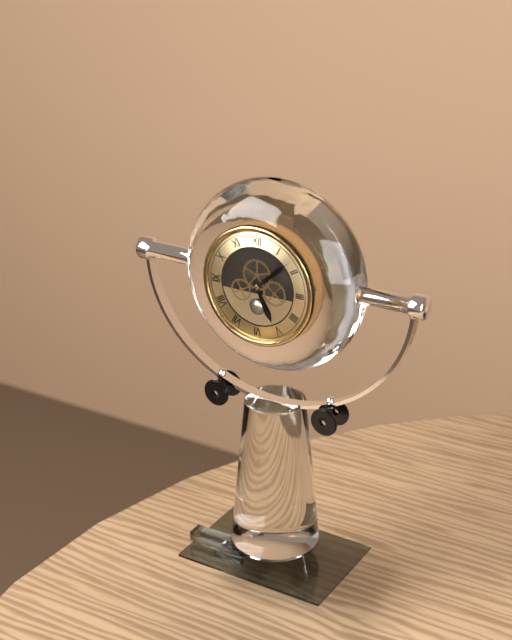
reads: 5,08
